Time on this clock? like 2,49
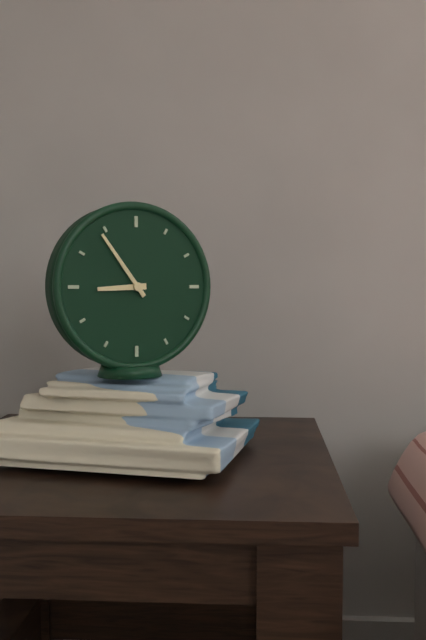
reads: 8,54
